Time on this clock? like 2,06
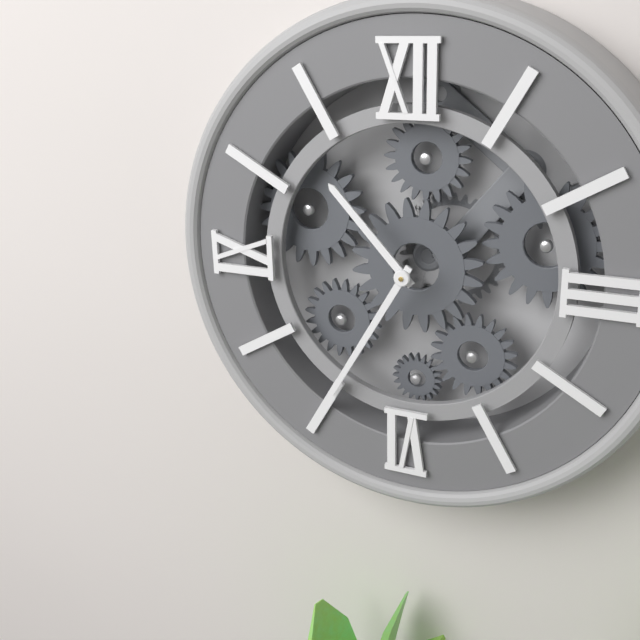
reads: 10,35
